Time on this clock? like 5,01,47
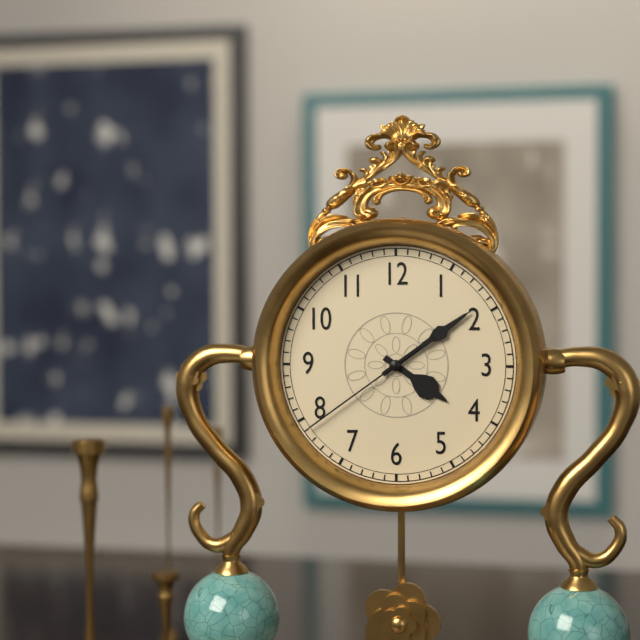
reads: 4,09,39
